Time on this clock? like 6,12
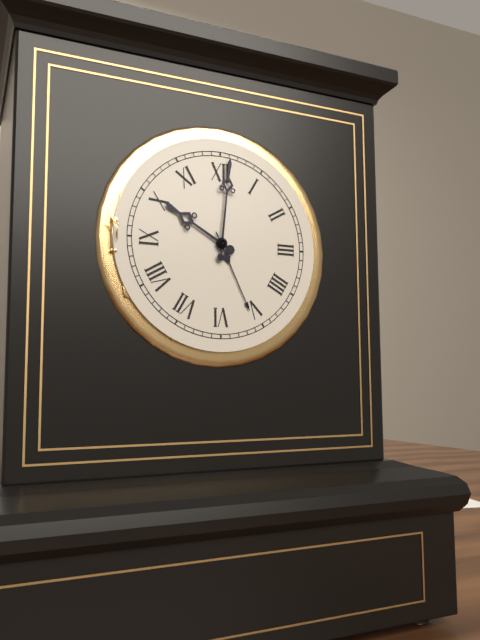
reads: 10,01
